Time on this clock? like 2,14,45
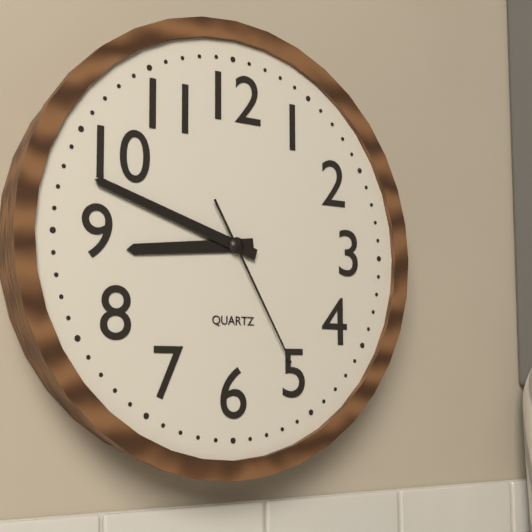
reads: 8,48,25
